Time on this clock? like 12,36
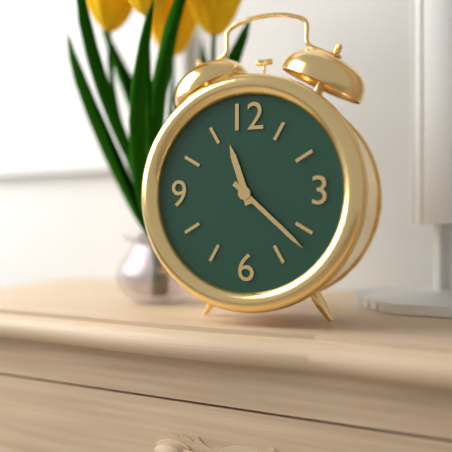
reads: 11,22
